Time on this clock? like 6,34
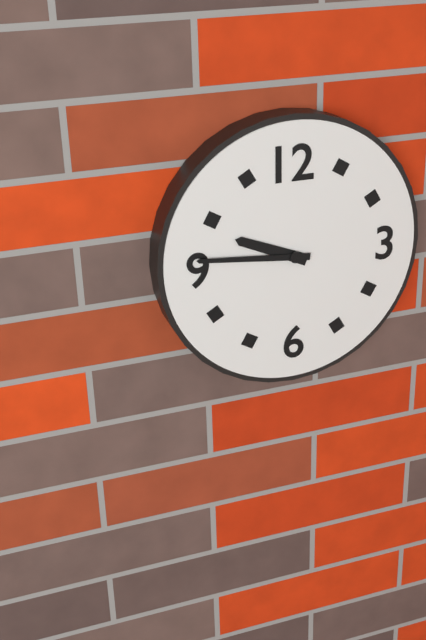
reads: 9,46
